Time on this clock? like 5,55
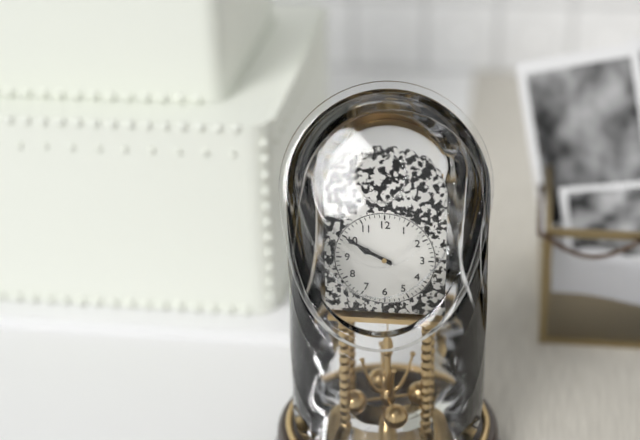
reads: 9,50
